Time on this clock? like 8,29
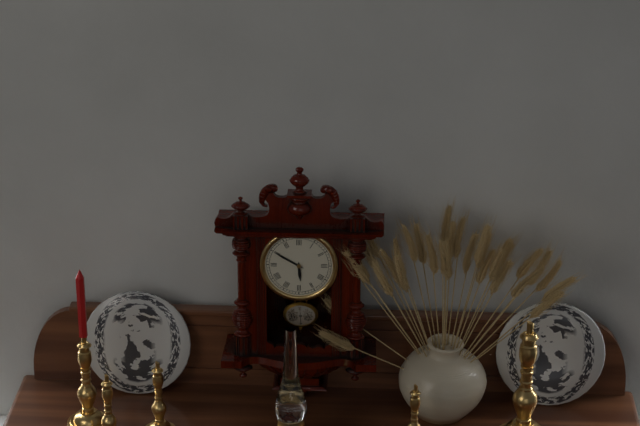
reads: 5,50
